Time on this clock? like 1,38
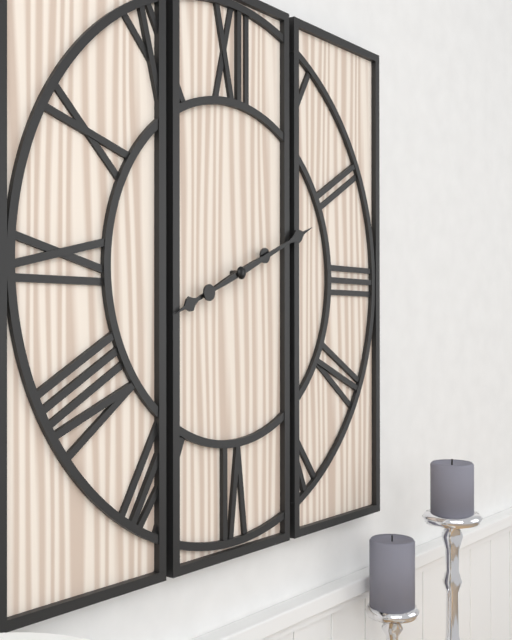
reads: 8,11
